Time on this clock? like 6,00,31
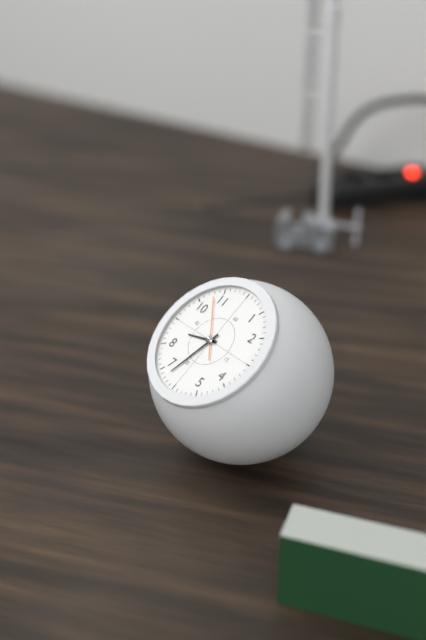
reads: 8,33,53
